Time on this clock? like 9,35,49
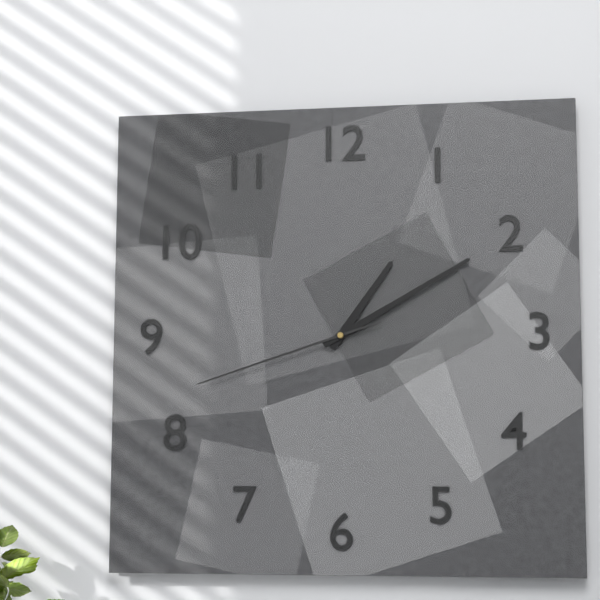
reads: 1,10,42
